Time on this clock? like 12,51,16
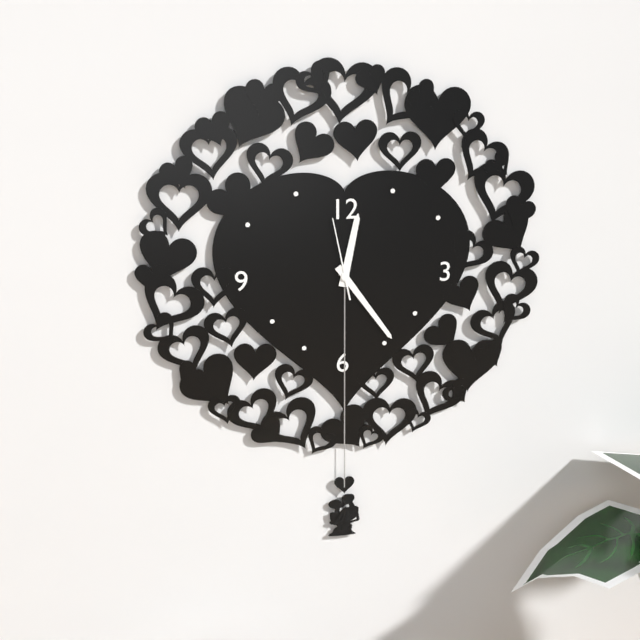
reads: 12,24,58
